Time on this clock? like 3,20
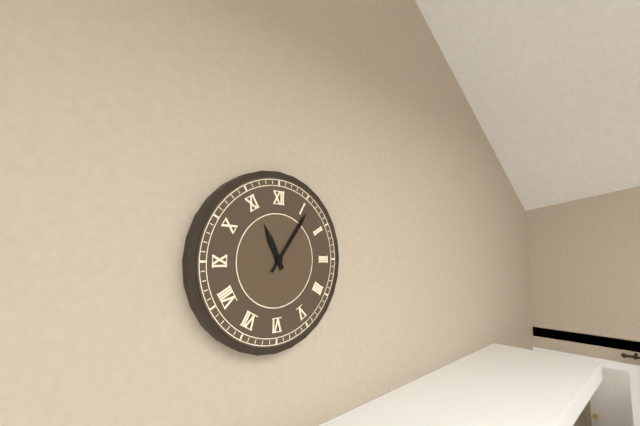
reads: 11,06
